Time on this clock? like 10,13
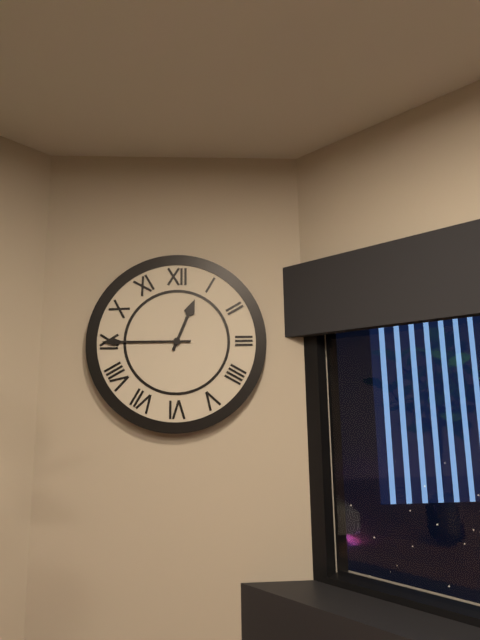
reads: 12,45
